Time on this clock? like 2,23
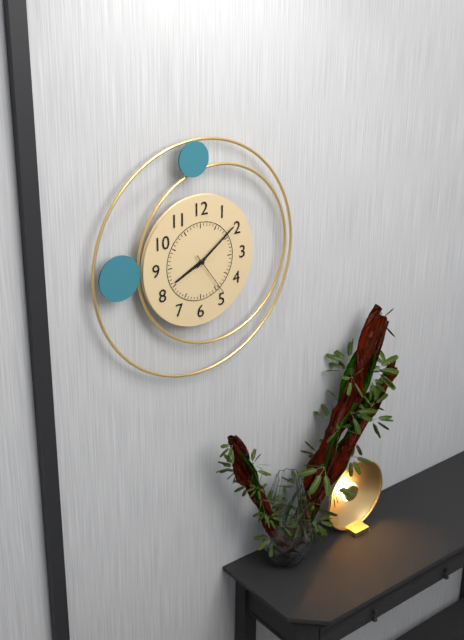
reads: 8,09
